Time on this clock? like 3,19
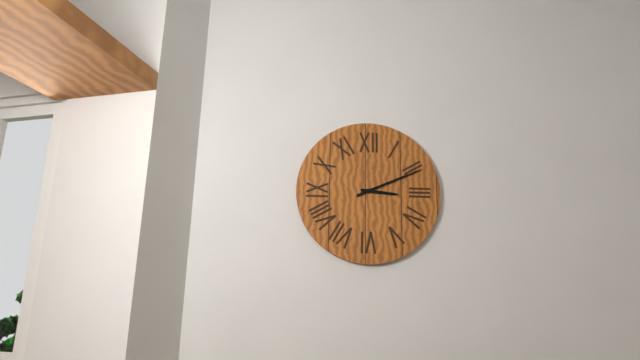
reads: 3,11
